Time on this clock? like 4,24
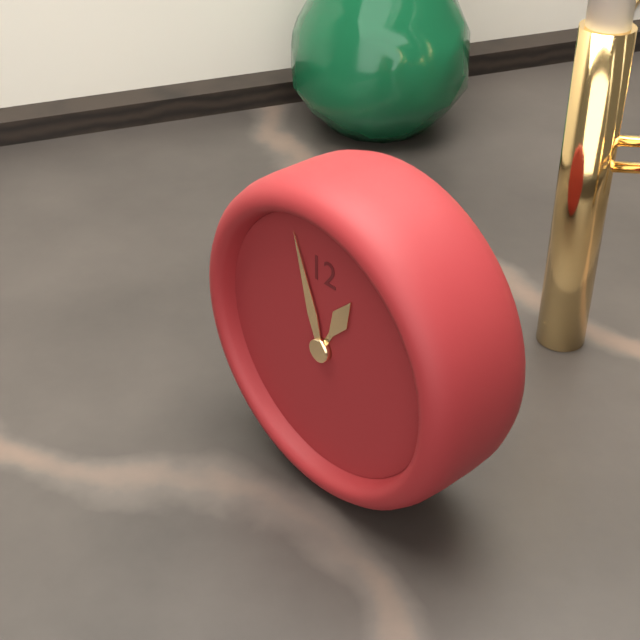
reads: 12,57
